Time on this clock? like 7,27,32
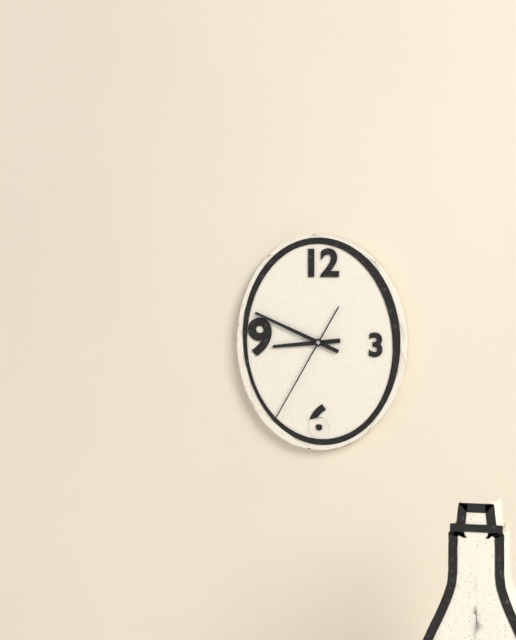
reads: 8,49,35
